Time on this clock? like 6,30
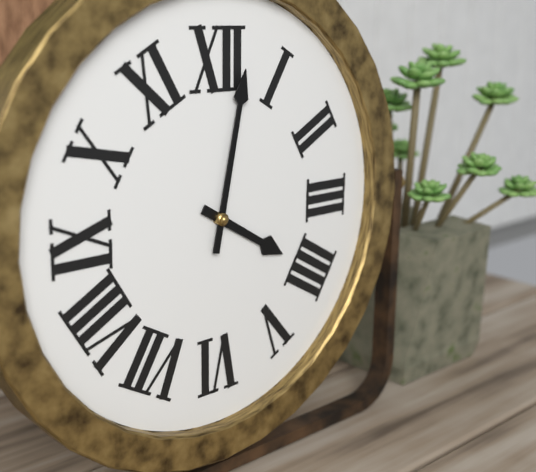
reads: 4,02
